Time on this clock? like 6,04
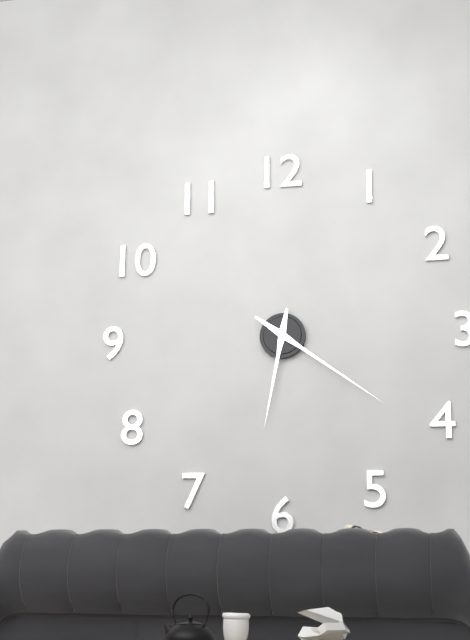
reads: 6,21
